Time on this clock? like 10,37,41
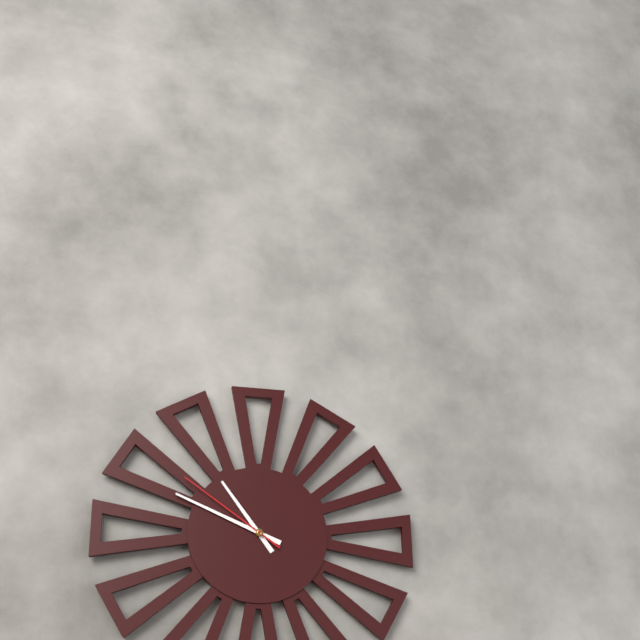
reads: 10,49,51
